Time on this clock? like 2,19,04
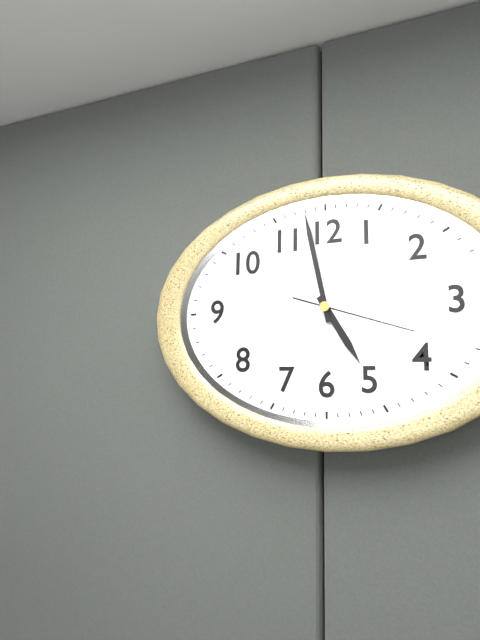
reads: 4,58,18
